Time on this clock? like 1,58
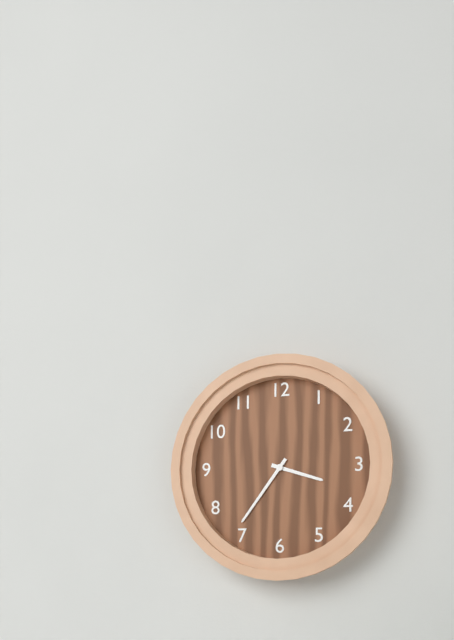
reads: 3,36
